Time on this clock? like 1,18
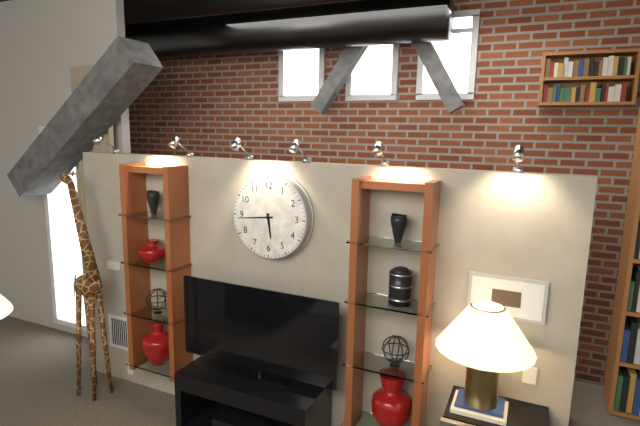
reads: 5,44
